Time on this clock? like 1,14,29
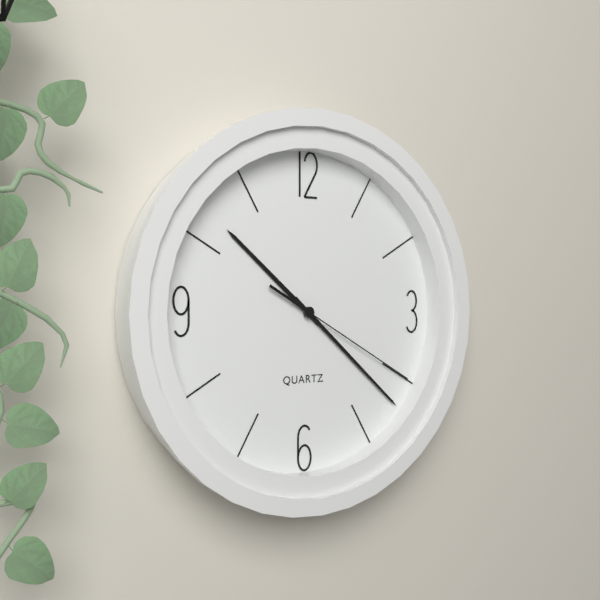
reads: 10,22,20
